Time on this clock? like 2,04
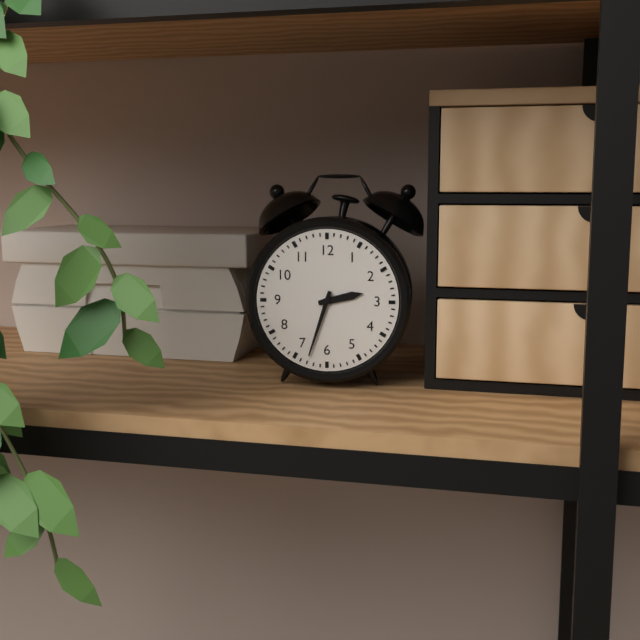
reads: 2,33
